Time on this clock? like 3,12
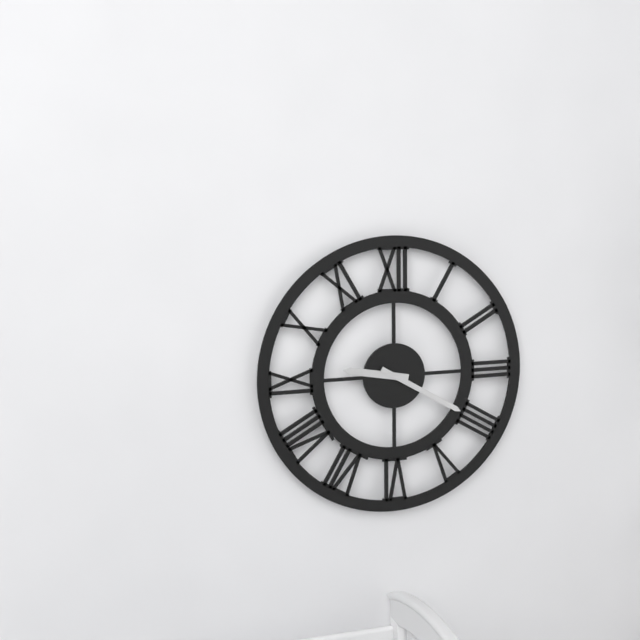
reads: 9,20
